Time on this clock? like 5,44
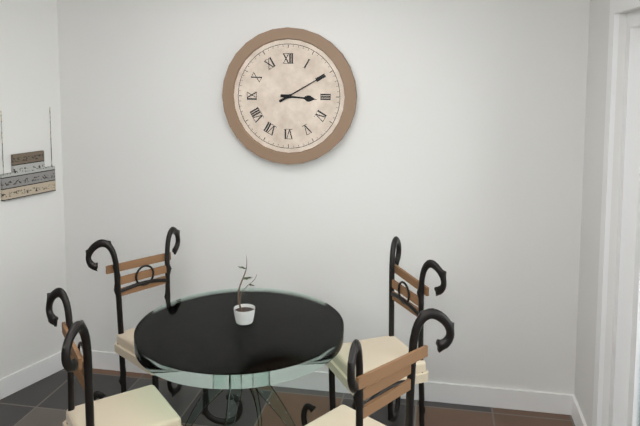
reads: 3,10
